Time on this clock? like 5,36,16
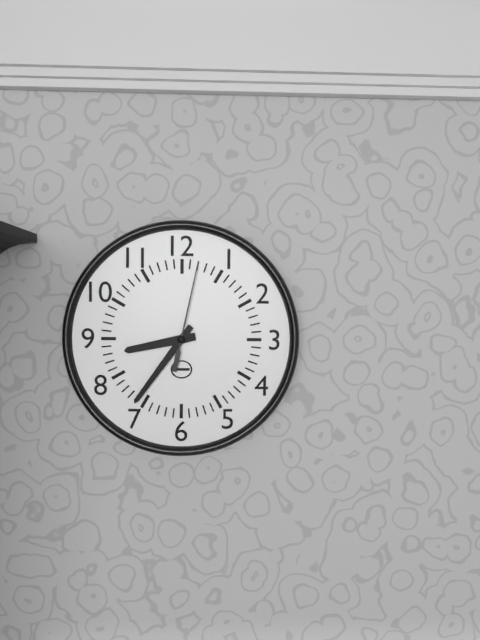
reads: 8,36,02
